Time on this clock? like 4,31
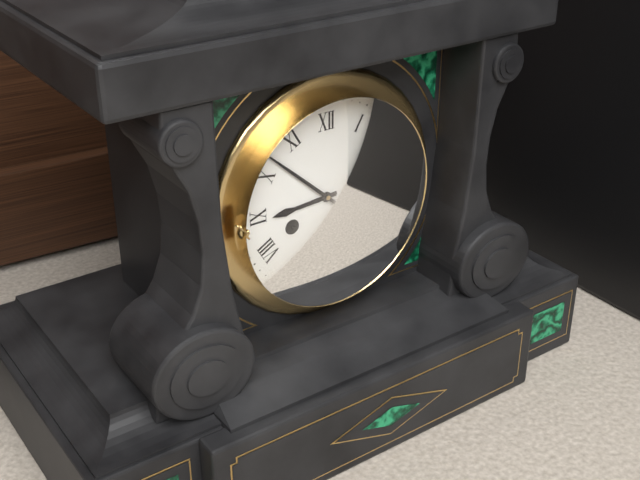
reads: 8,52
